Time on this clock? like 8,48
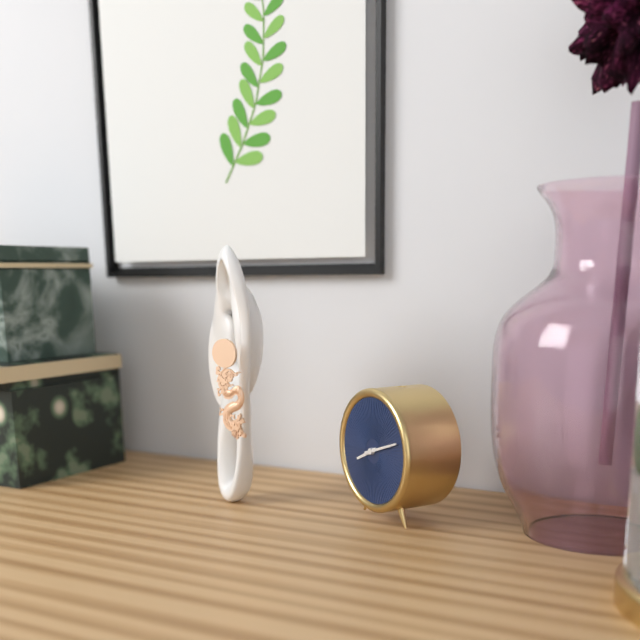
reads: 8,12
